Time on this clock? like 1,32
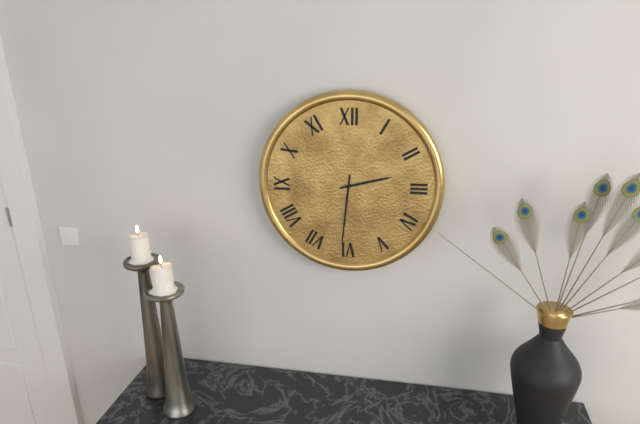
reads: 2,31
